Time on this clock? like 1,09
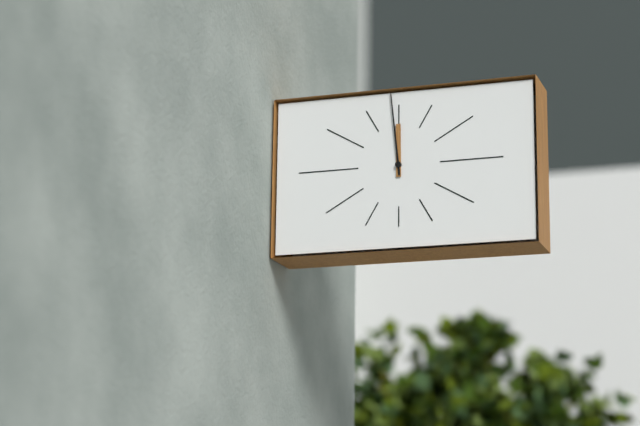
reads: 11,59
